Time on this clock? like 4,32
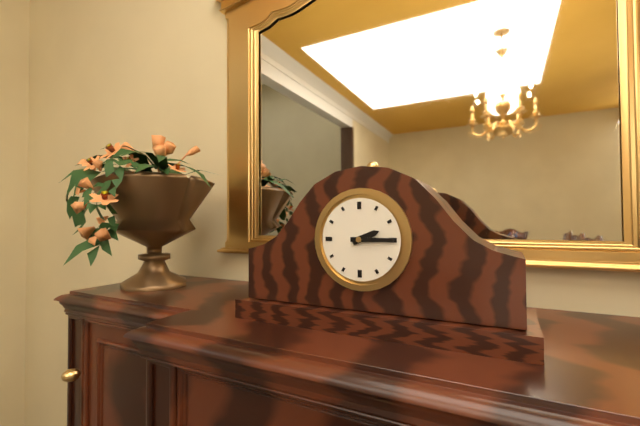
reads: 2,15
